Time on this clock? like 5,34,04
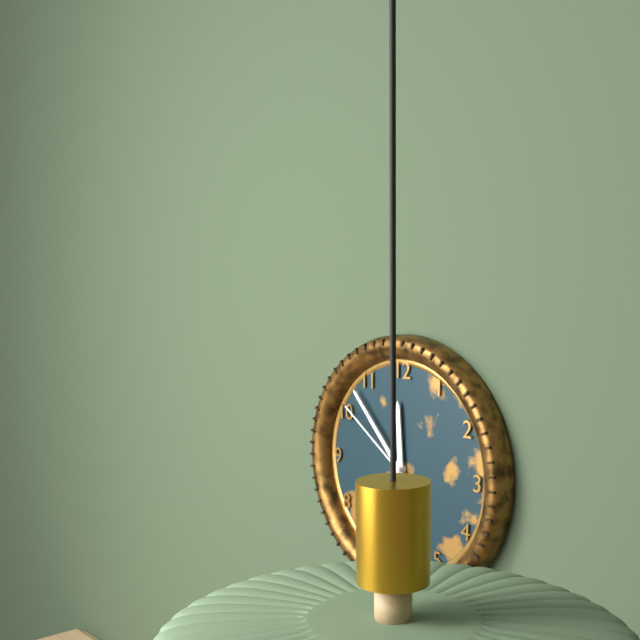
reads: 11,53,51
